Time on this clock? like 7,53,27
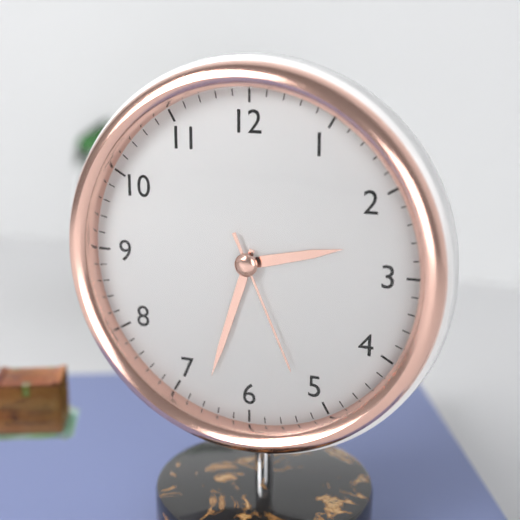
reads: 2,33,26
